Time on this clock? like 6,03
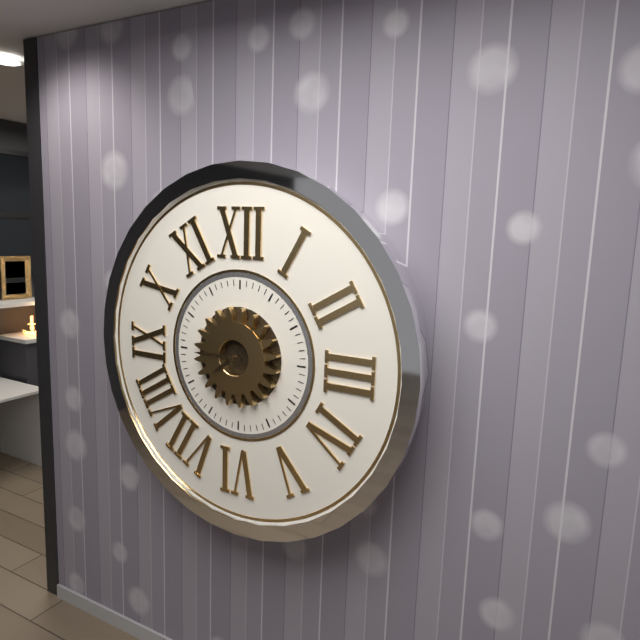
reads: 7,45
